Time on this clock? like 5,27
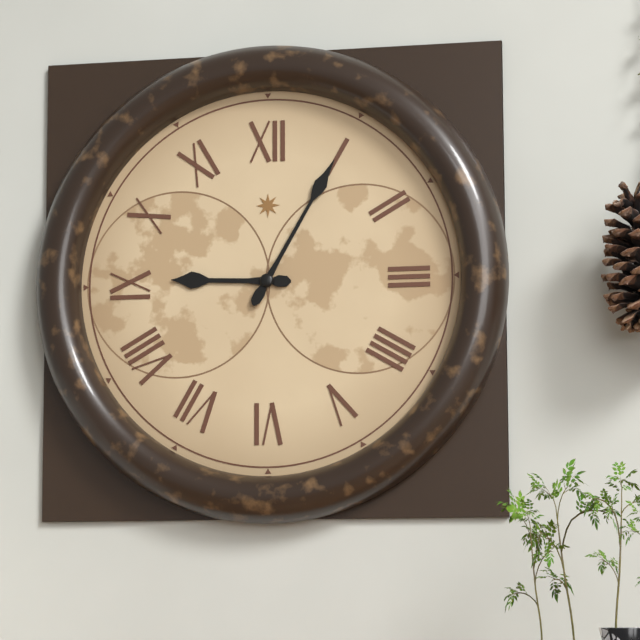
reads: 9,05
